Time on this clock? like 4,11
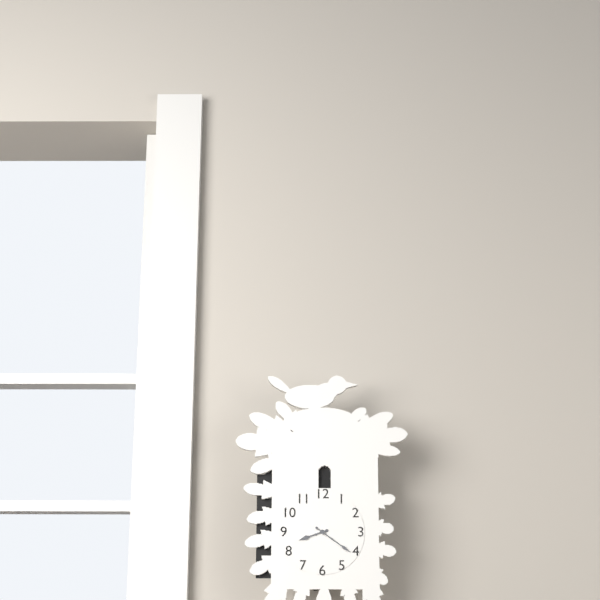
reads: 8,21
